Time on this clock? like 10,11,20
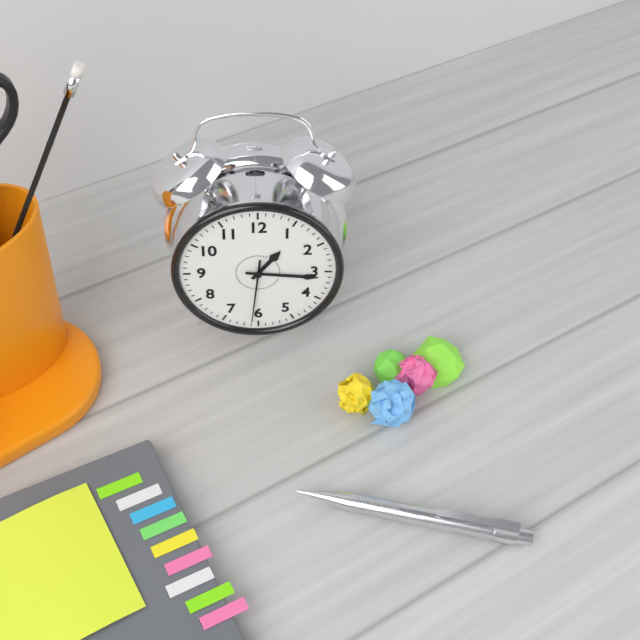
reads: 1,16,31
